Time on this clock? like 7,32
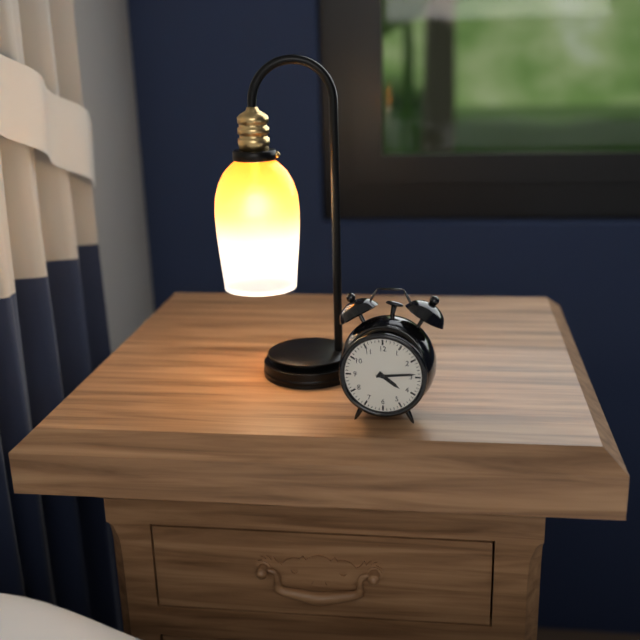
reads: 4,14
